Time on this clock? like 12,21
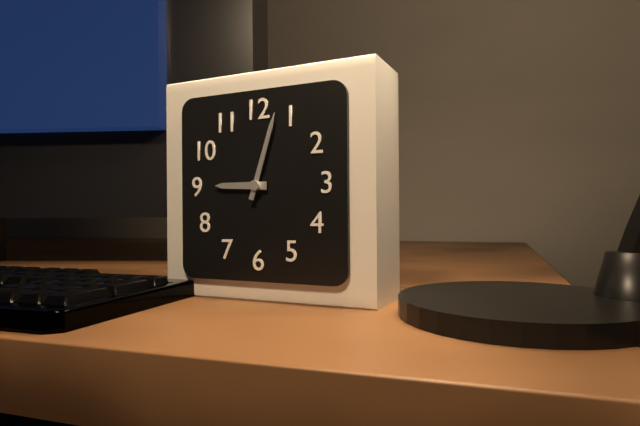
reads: 9,03
